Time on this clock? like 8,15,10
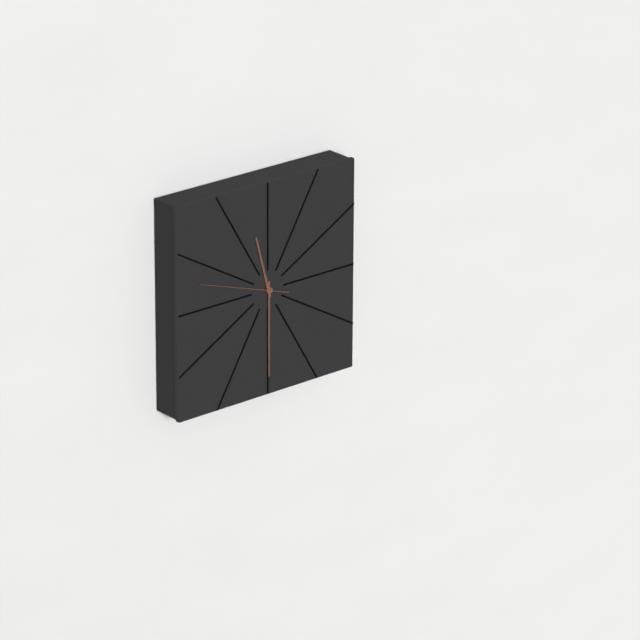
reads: 11,30,48
